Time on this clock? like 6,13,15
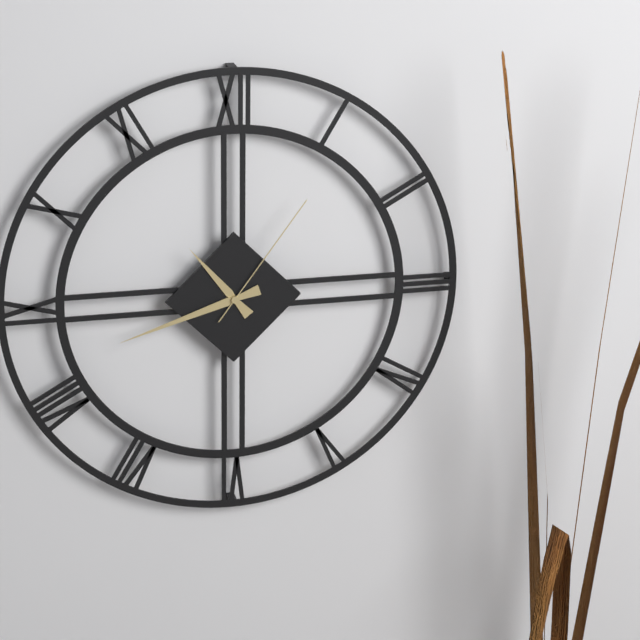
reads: 10,42,06
